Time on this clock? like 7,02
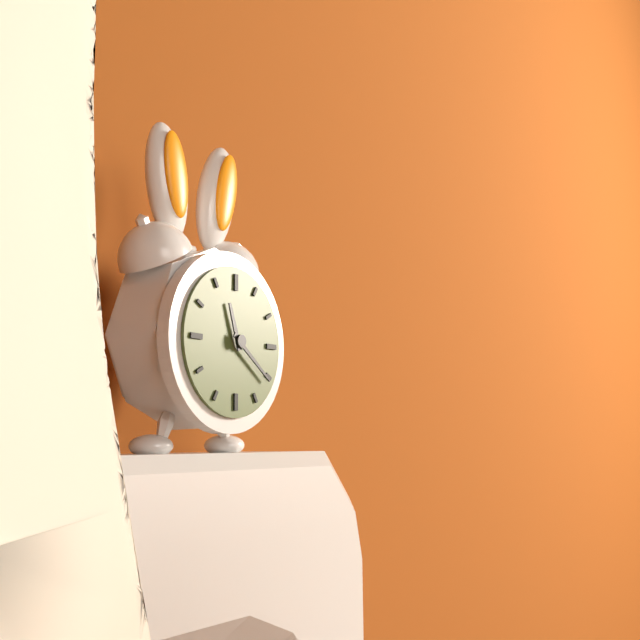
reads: 11,21
